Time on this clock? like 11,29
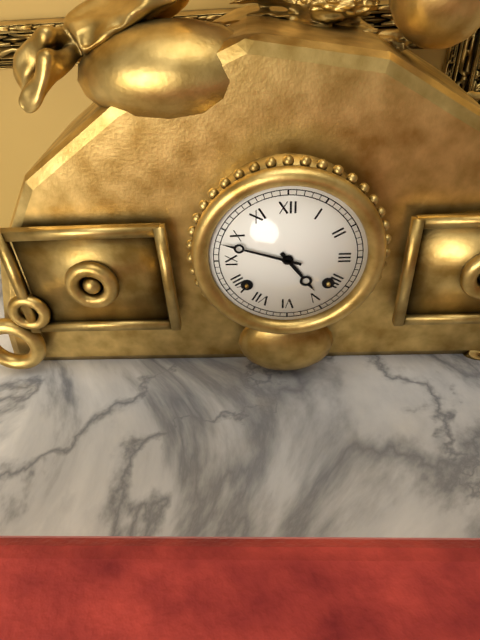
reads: 4,48
